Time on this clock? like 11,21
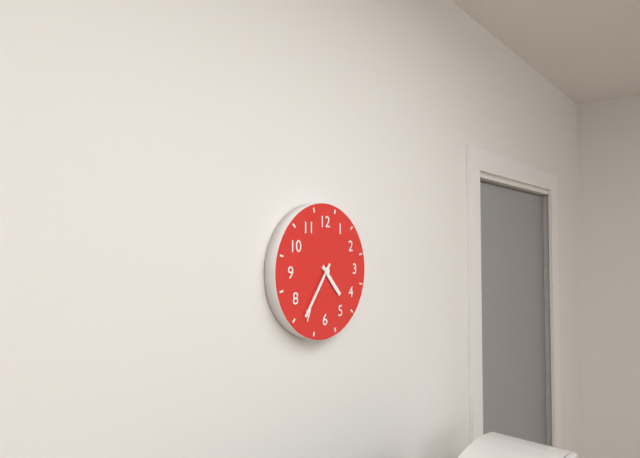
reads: 4,36
